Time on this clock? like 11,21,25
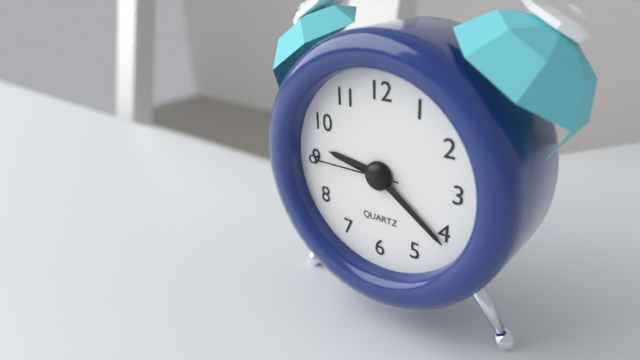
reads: 9,21,45
